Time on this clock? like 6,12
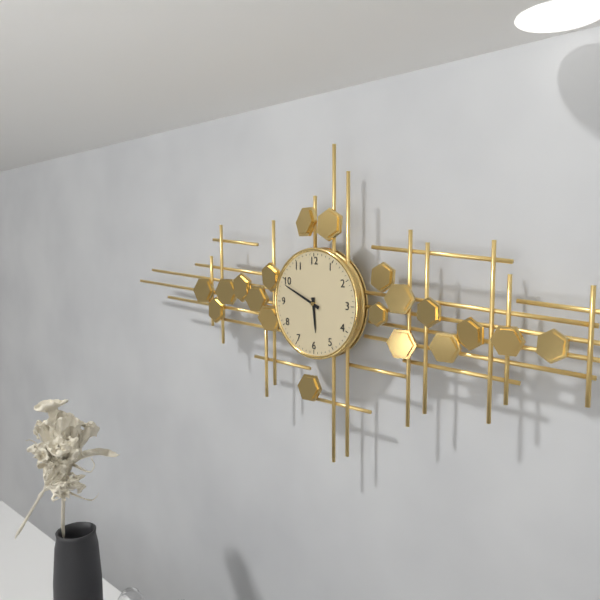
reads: 5,49
